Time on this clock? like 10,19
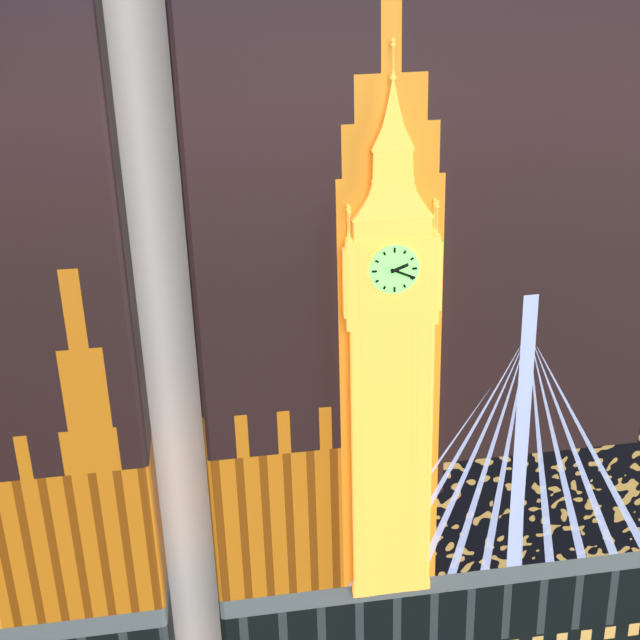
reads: 2,19
